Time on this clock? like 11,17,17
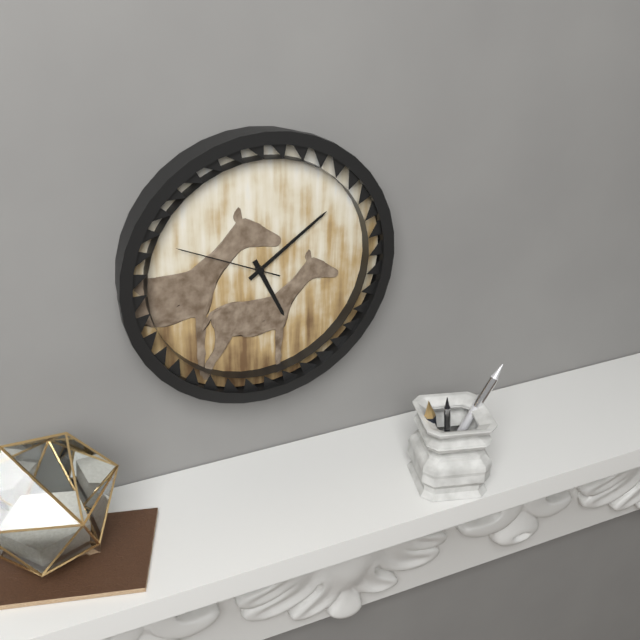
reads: 5,09,49
